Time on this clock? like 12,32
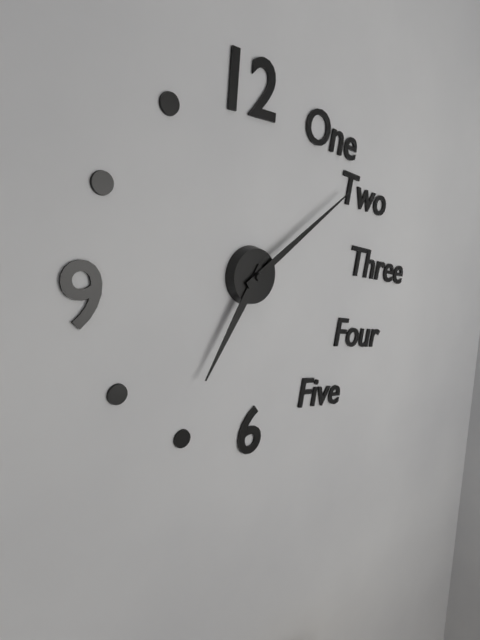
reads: 7,10
